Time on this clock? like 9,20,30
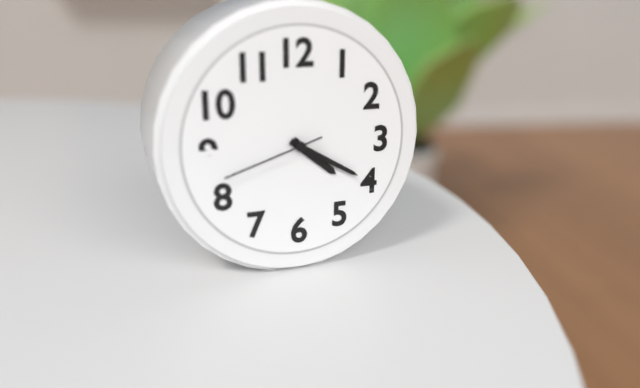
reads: 4,20,42
